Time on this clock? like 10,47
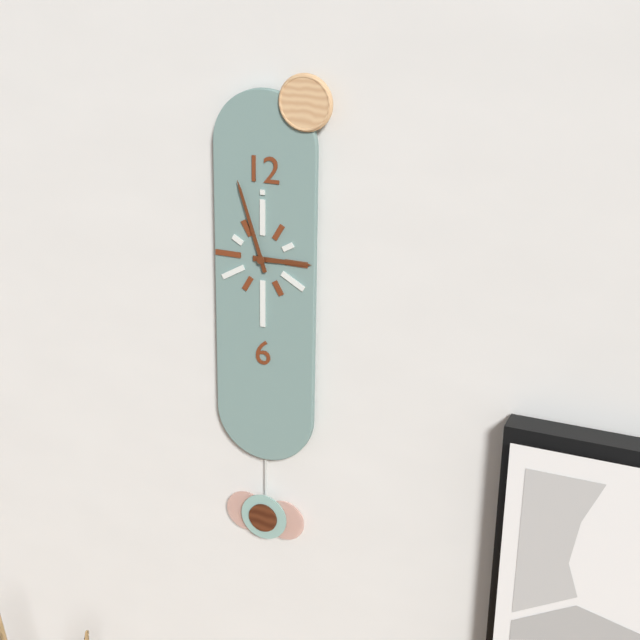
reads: 2,57
